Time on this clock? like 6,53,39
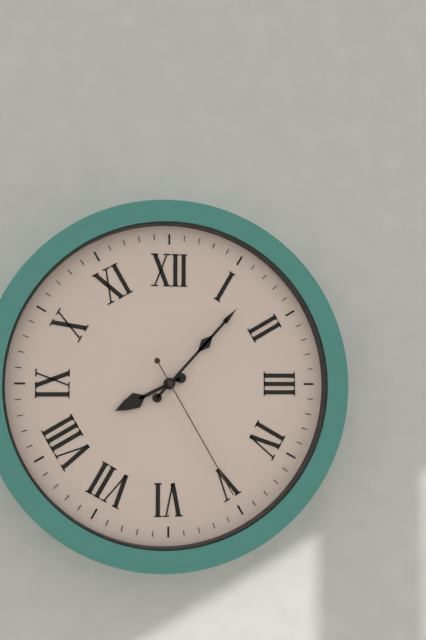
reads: 8,07,25
